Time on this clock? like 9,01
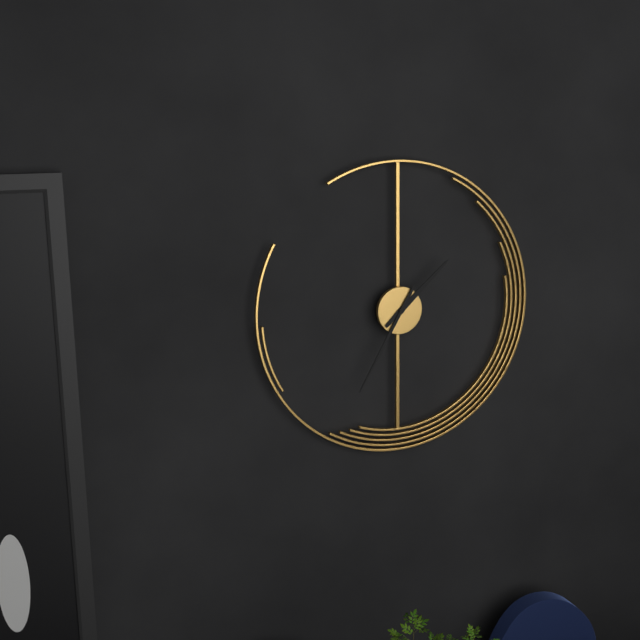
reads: 1,35
